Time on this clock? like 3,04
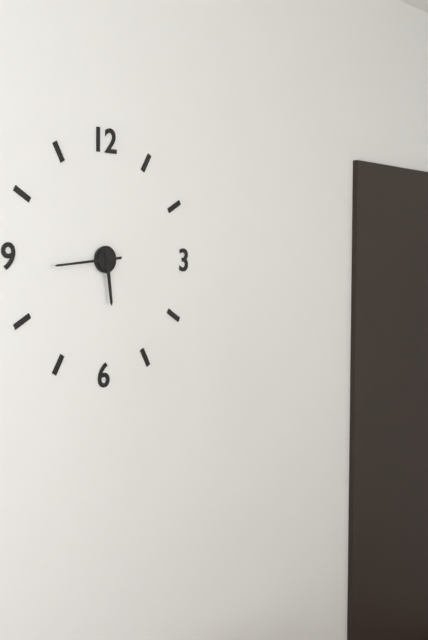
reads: 5,44
